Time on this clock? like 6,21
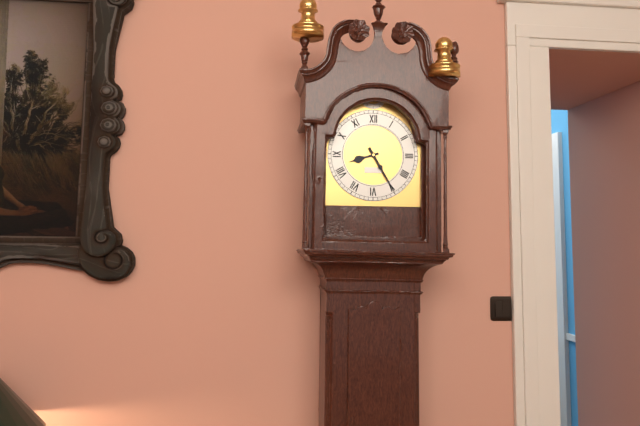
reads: 8,25
